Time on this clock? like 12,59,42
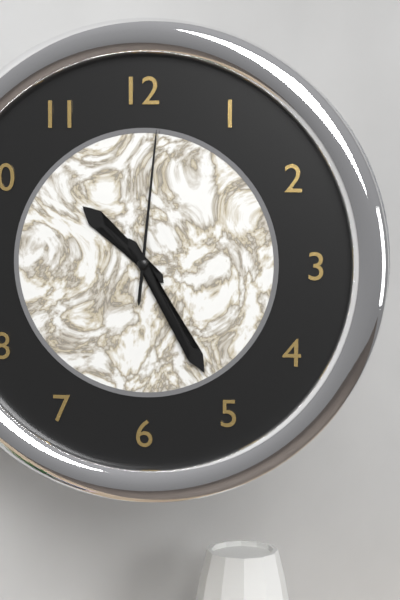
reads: 10,25,01
